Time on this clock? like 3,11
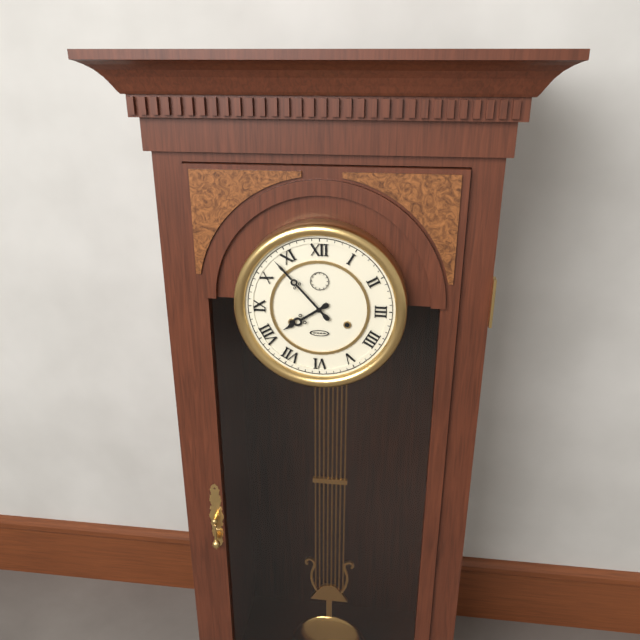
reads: 7,53
